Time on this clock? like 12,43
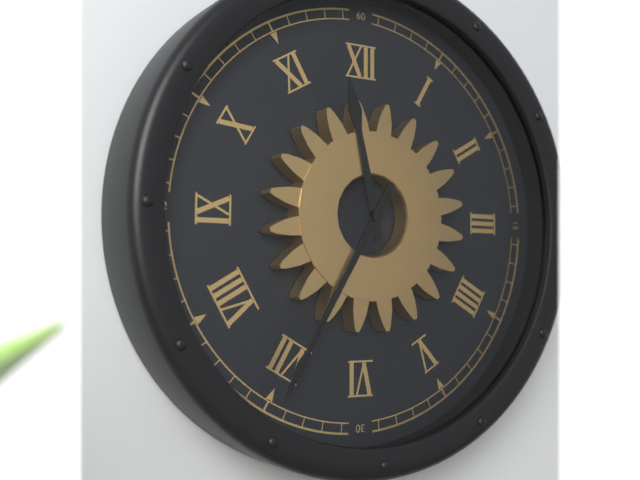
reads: 11,35
